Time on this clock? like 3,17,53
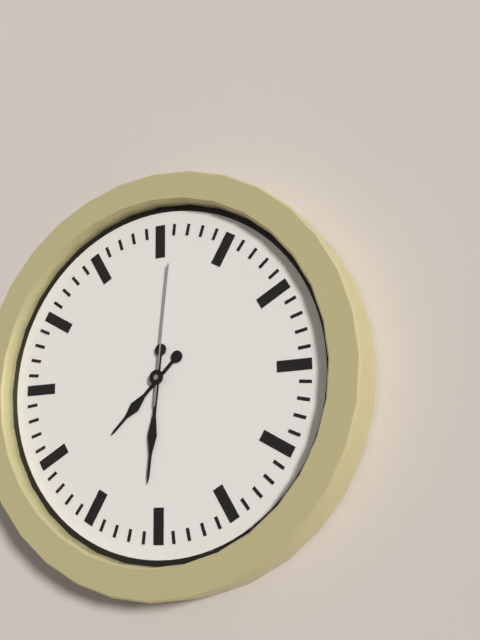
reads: 7,31,01
